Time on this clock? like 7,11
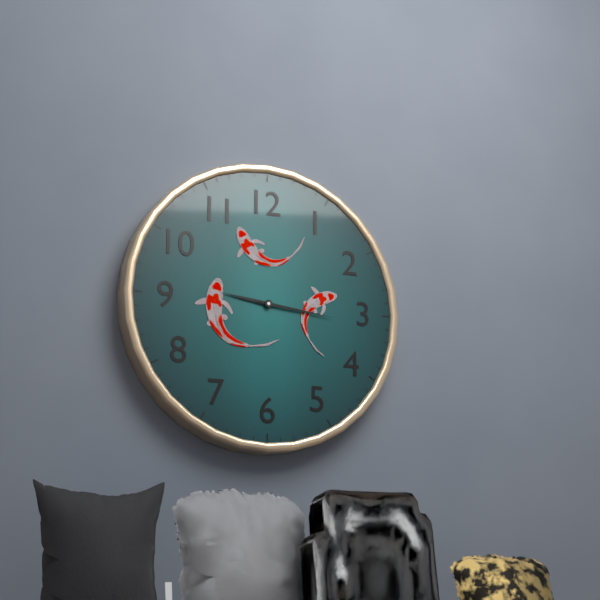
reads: 9,16
